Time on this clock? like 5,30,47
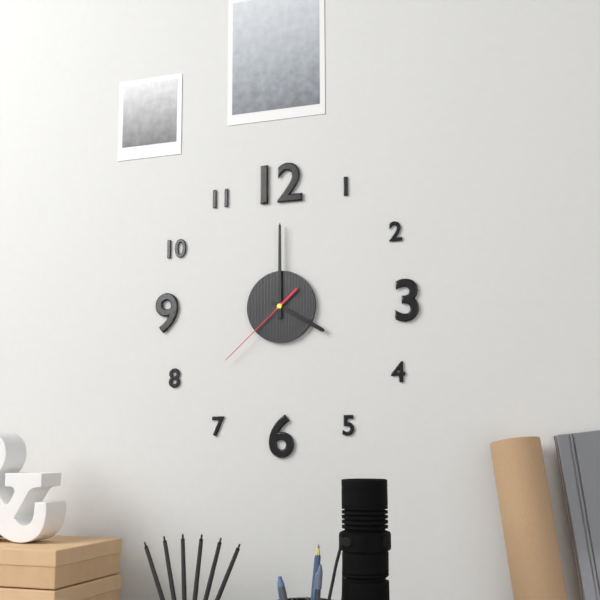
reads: 4,00,38
